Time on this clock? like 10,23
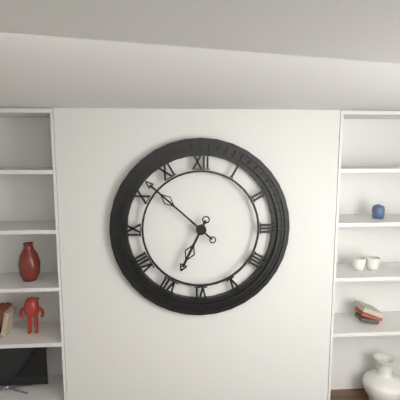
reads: 6,52
